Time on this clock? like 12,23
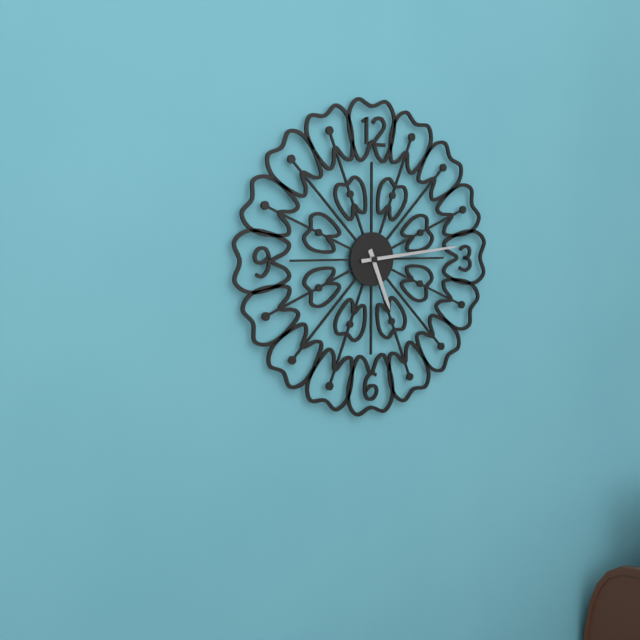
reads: 5,14
